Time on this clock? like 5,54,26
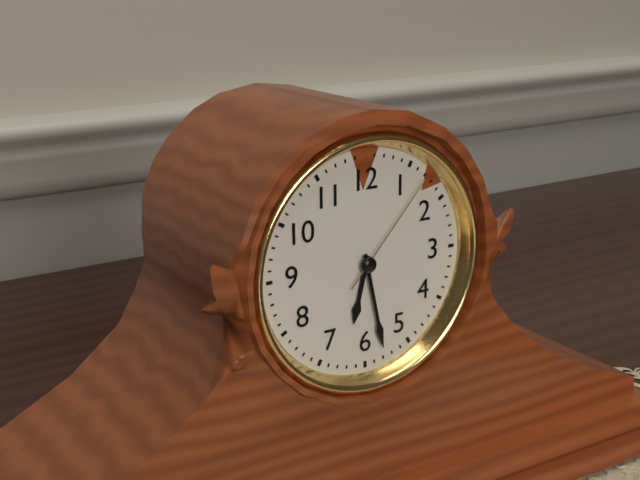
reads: 6,28,07
